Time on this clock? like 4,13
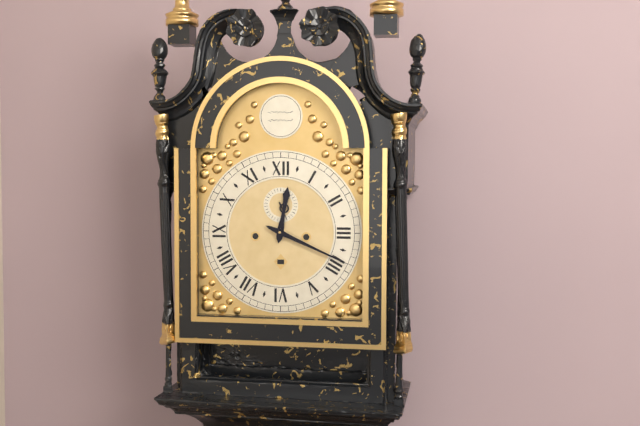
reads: 12,19
